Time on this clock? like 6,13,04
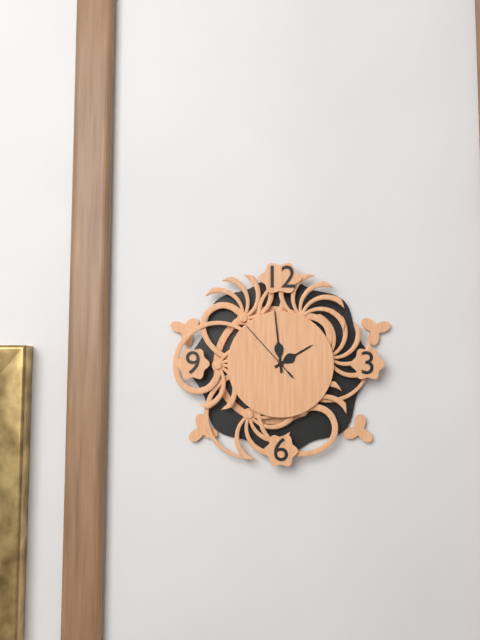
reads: 1,59,53
